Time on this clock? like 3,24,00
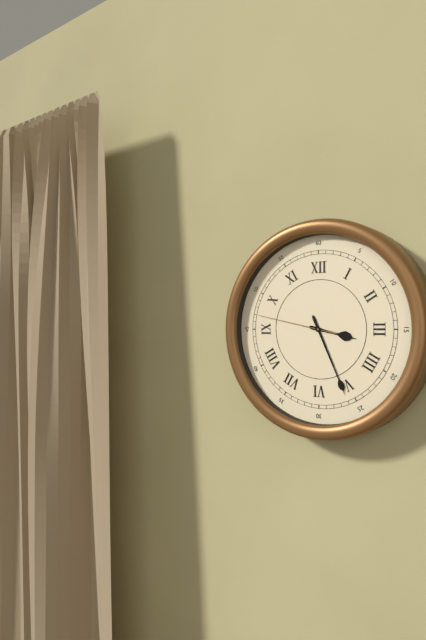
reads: 3,26,47
